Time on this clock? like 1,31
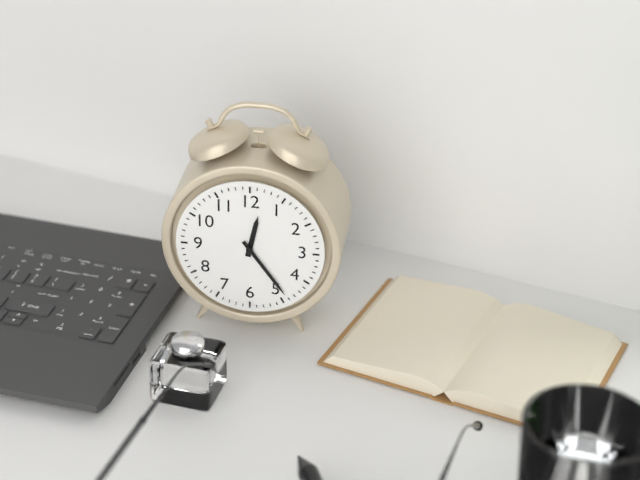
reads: 12,24
